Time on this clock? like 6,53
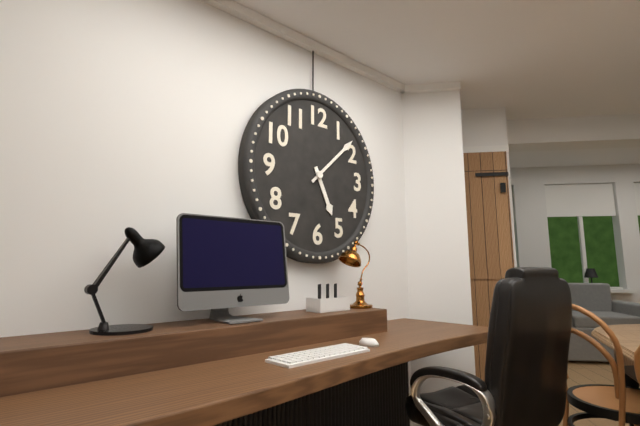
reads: 5,08
